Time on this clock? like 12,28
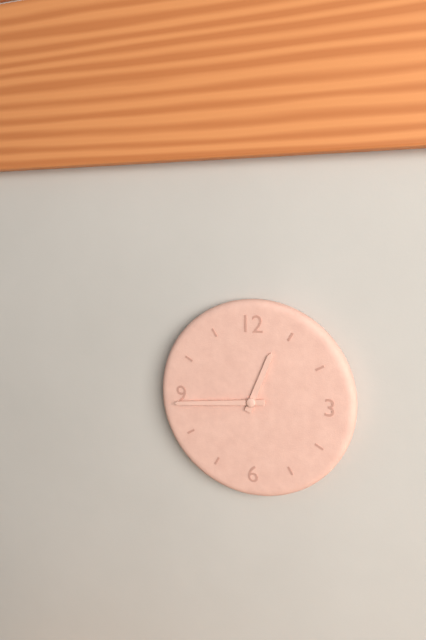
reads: 12,44
